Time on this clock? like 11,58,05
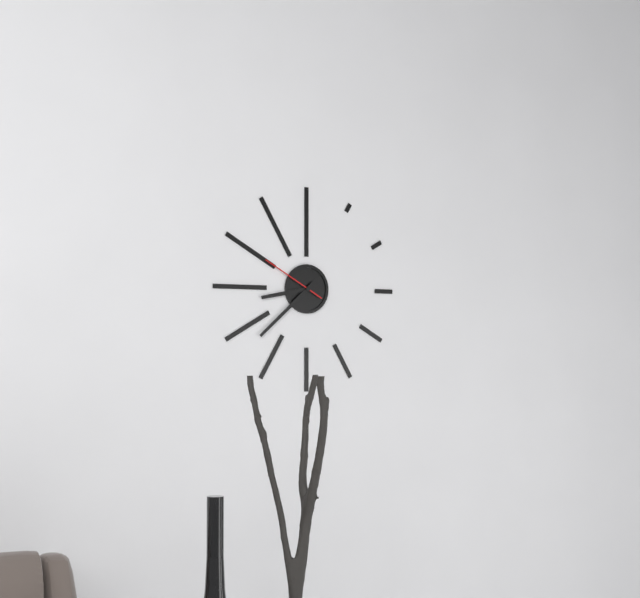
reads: 8,38,50
